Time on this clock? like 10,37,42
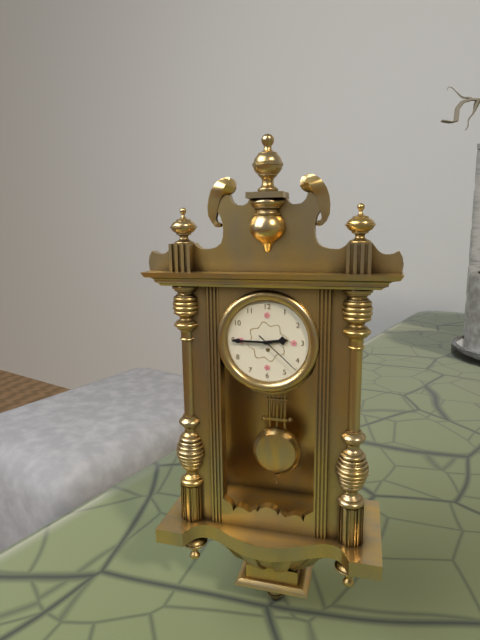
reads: 2,45,22
